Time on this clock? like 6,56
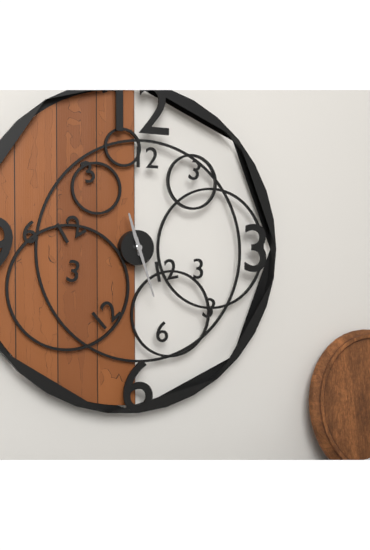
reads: 11,27
